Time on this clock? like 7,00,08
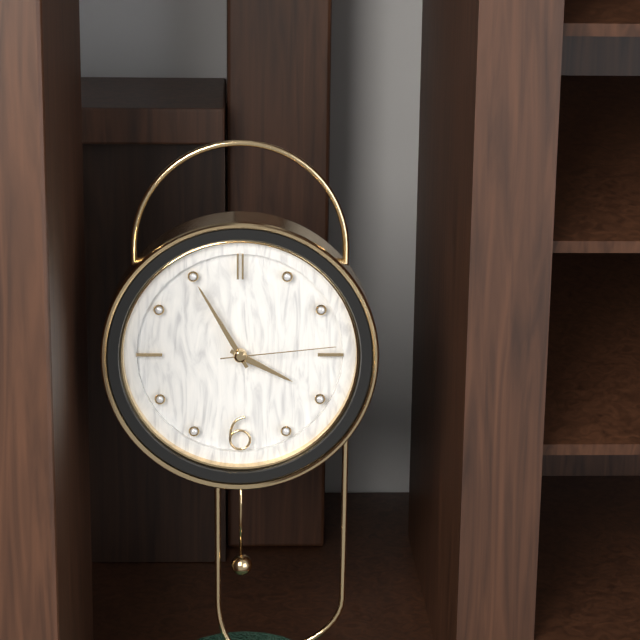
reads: 3,55,14
